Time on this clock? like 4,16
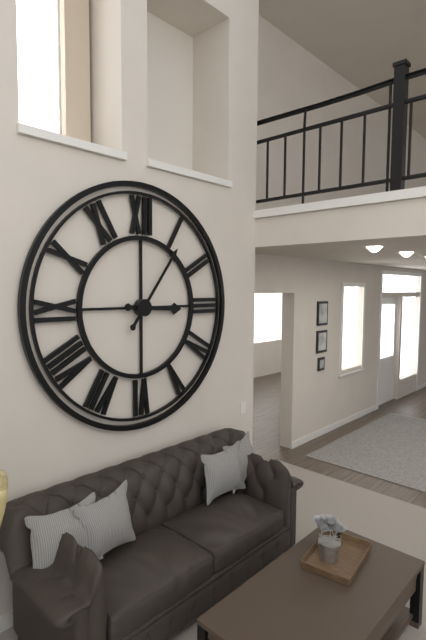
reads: 3,06
